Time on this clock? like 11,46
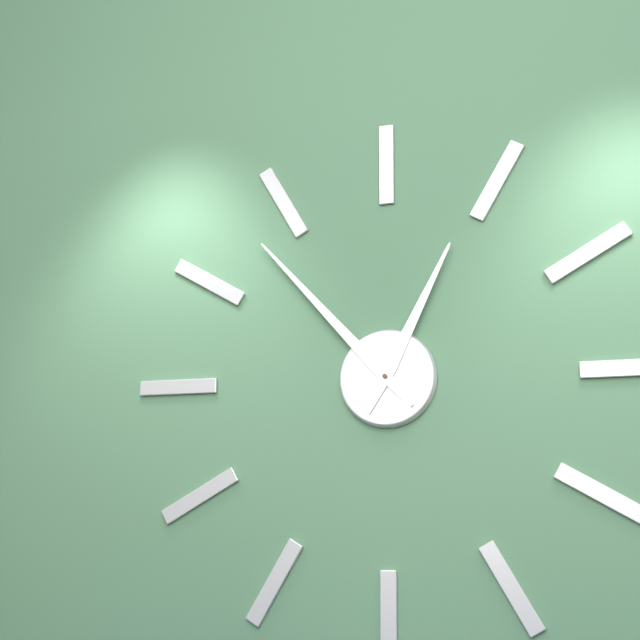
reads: 12,53
